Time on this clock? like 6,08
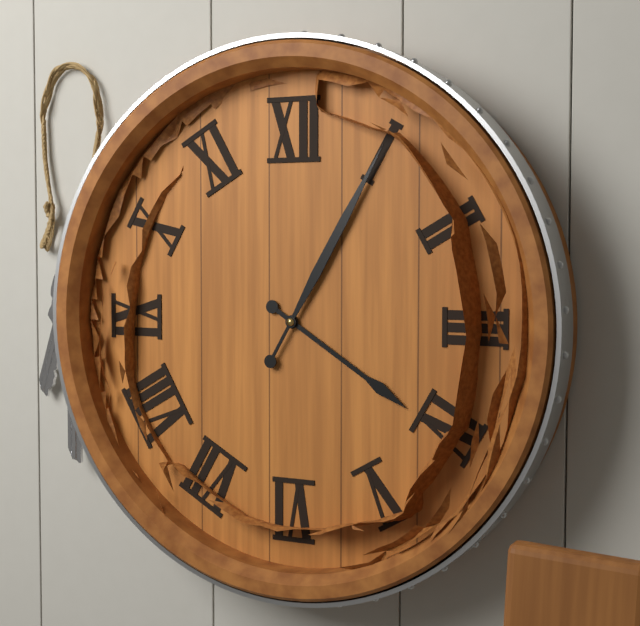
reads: 4,05
